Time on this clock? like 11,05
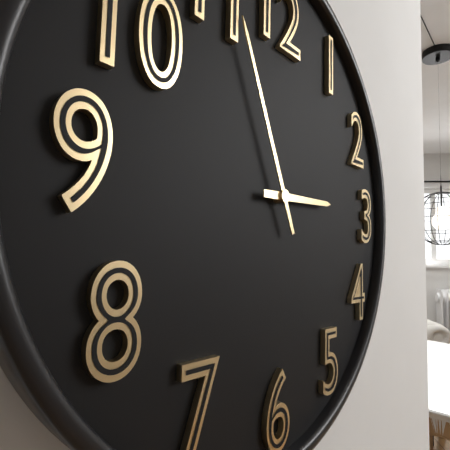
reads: 2,56
